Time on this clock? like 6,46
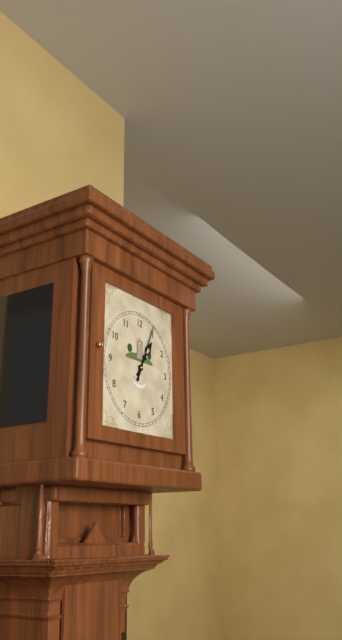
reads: 1,04
